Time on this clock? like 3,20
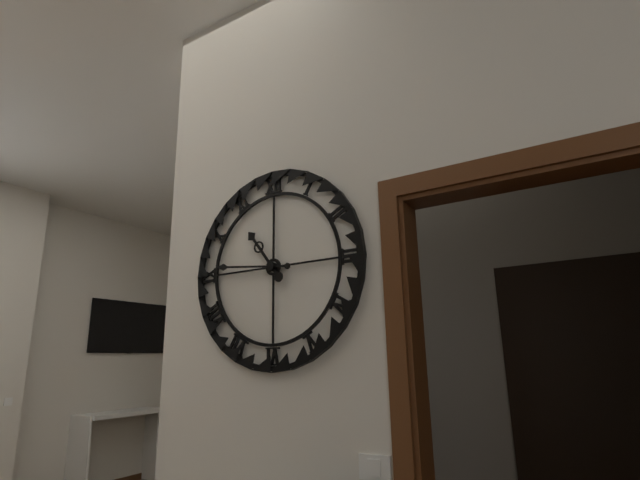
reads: 10,46
